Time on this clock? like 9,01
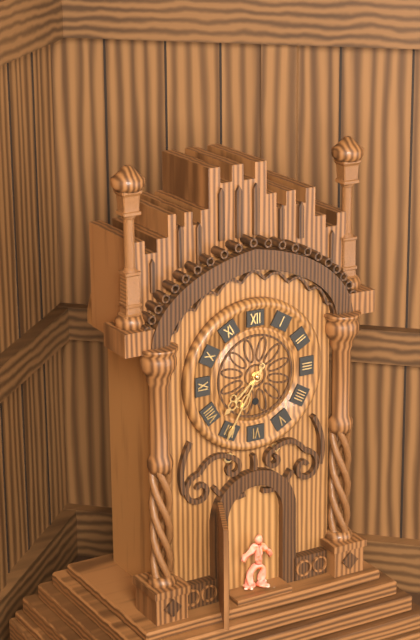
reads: 7,35
